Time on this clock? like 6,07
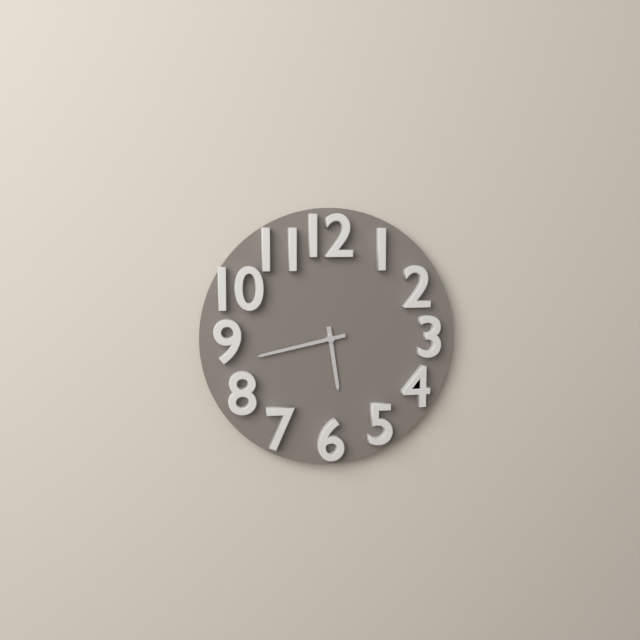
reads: 5,43
